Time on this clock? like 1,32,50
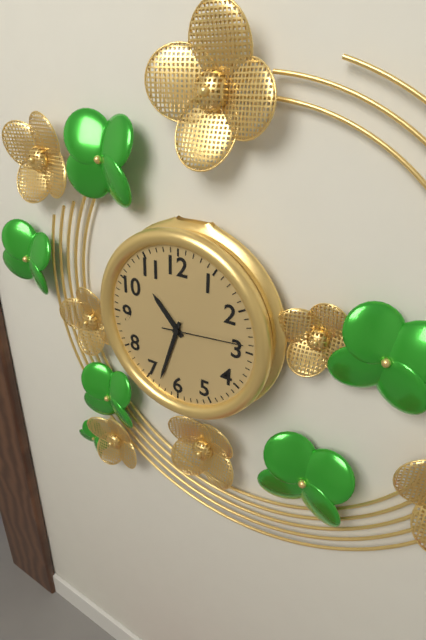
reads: 10,33,14
